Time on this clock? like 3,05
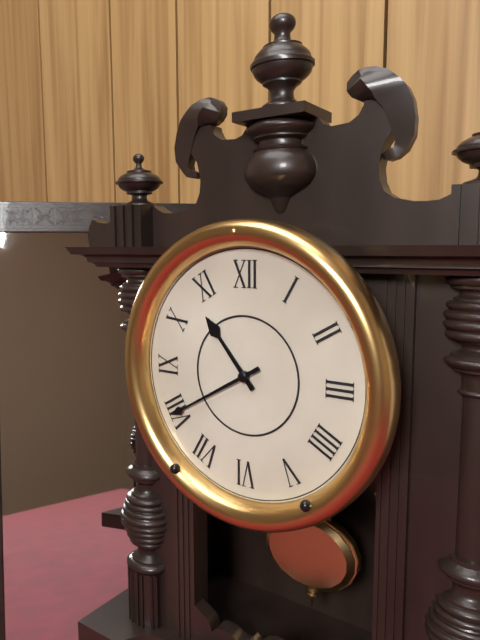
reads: 10,40
